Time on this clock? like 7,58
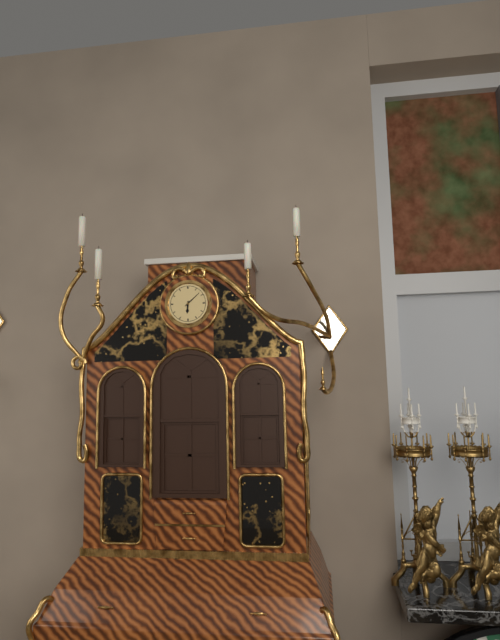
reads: 6,08
